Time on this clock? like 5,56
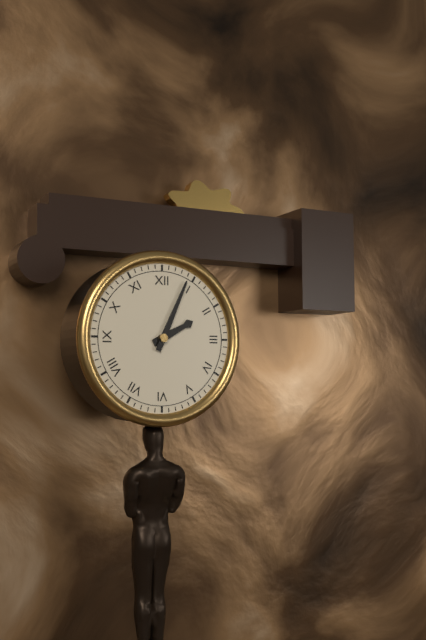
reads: 2,04
